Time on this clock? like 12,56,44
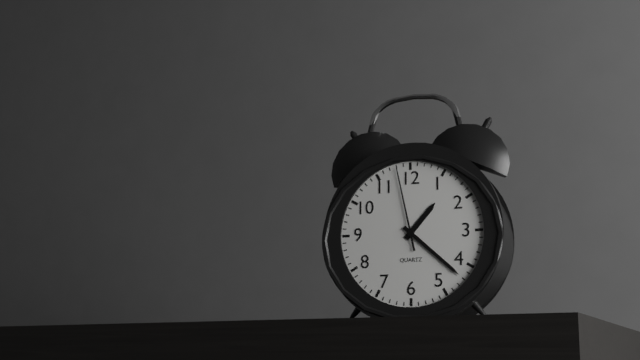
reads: 1,22,58
